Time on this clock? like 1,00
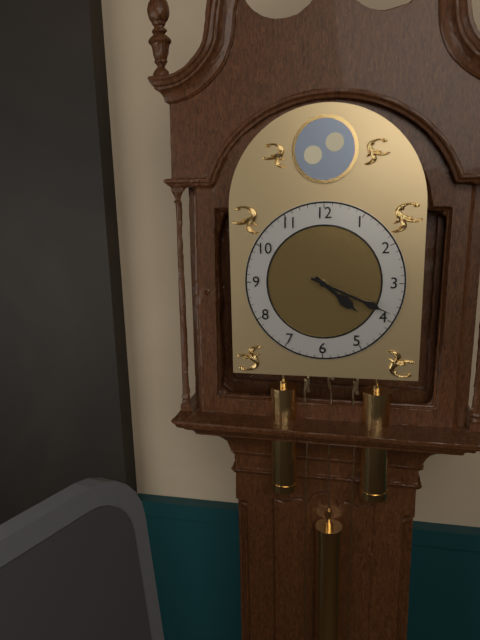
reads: 4,19
